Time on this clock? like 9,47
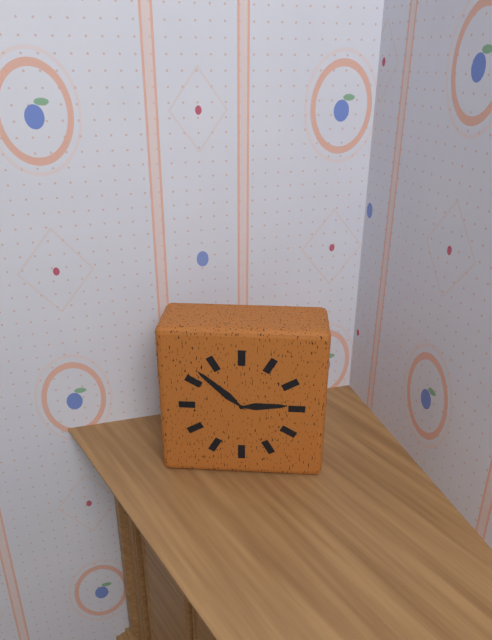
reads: 2,52
